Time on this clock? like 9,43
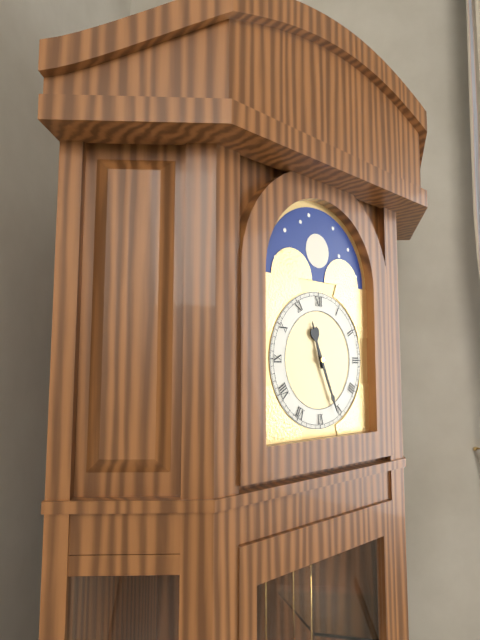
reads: 11,26
